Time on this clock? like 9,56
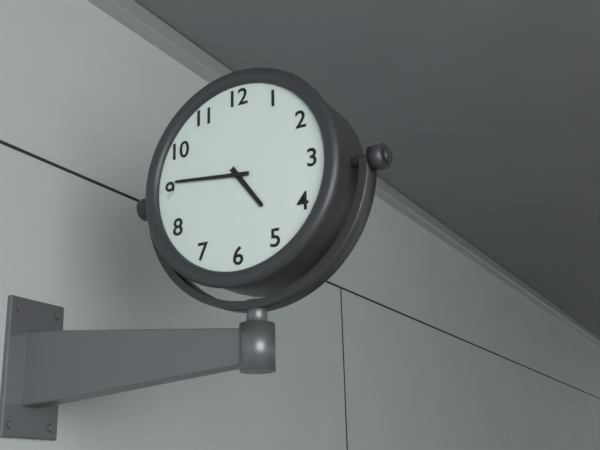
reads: 4,46
